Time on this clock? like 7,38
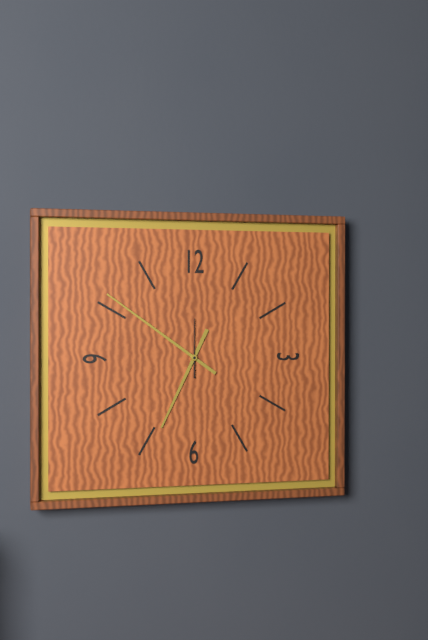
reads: 6,51
